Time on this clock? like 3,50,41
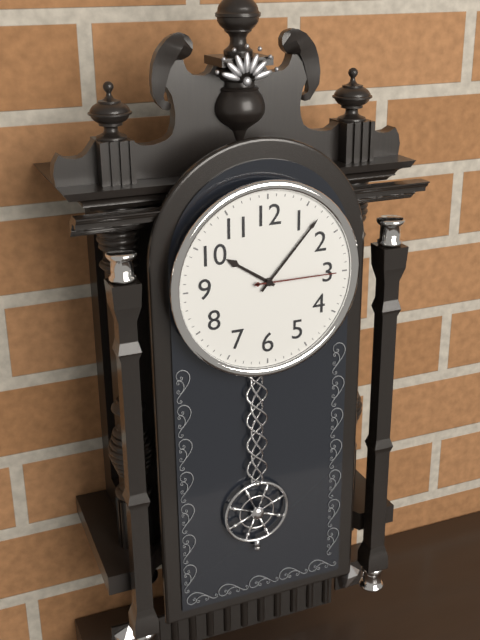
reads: 10,07,15
